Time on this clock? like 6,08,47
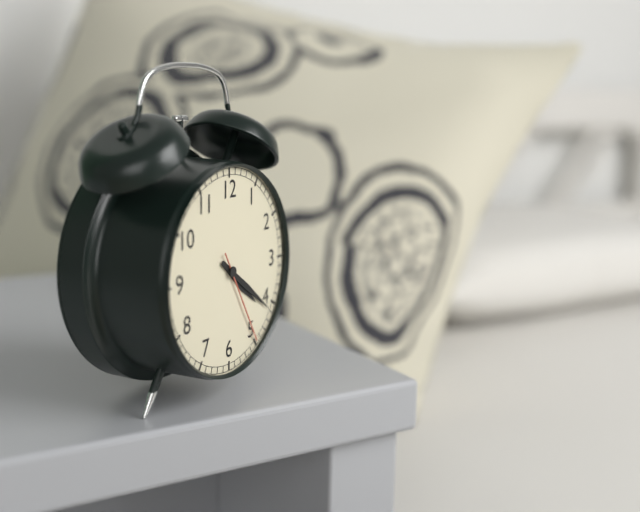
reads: 4,21,25
